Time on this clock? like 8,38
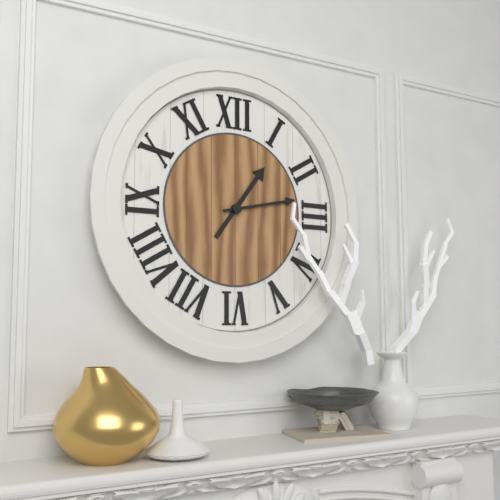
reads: 1,13
